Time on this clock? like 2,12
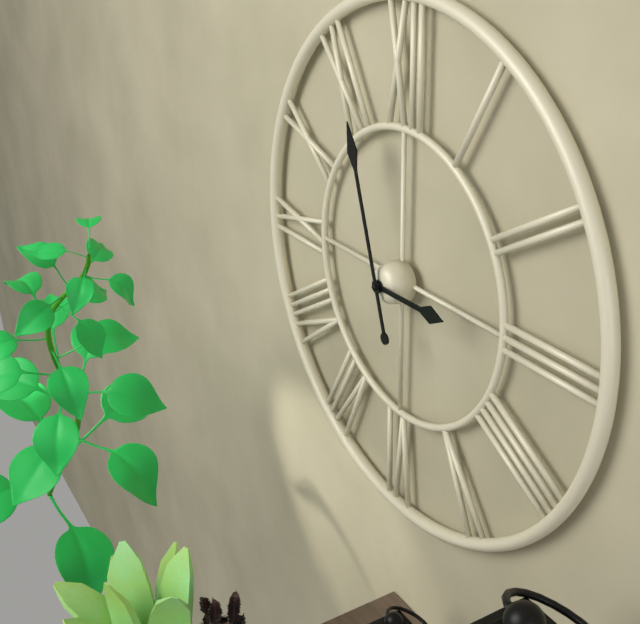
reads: 2,57
